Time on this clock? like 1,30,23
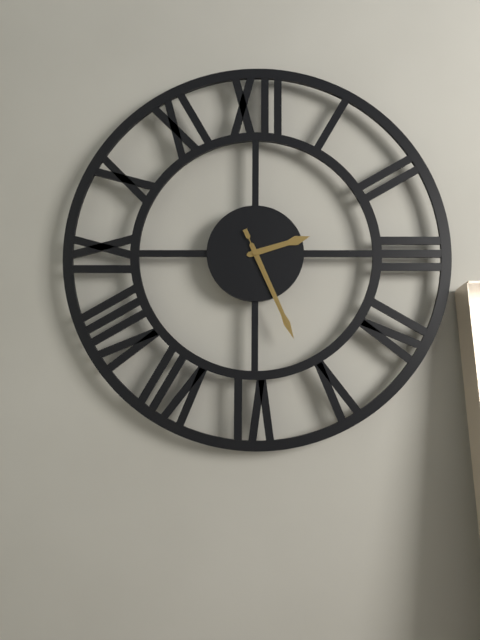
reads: 2,26,26
